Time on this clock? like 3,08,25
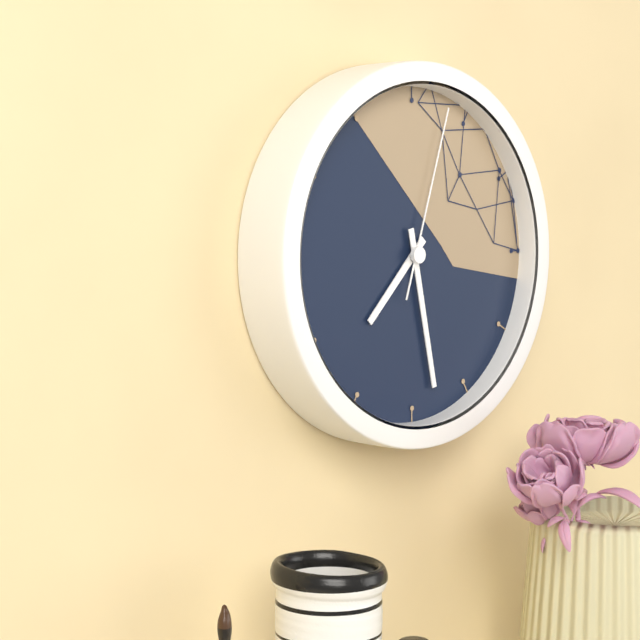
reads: 7,28,03
